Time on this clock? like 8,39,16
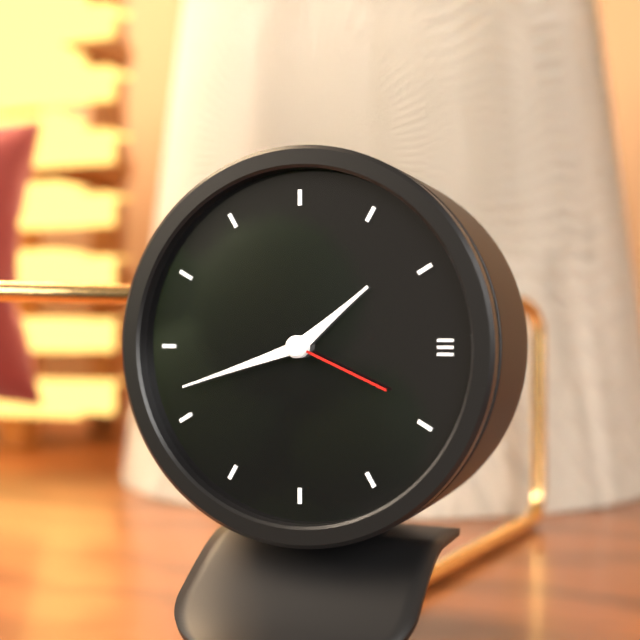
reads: 1,42,19
